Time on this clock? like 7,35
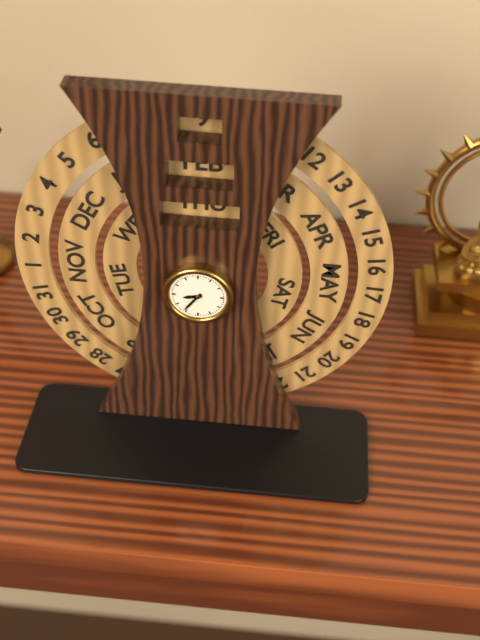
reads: 8,36
